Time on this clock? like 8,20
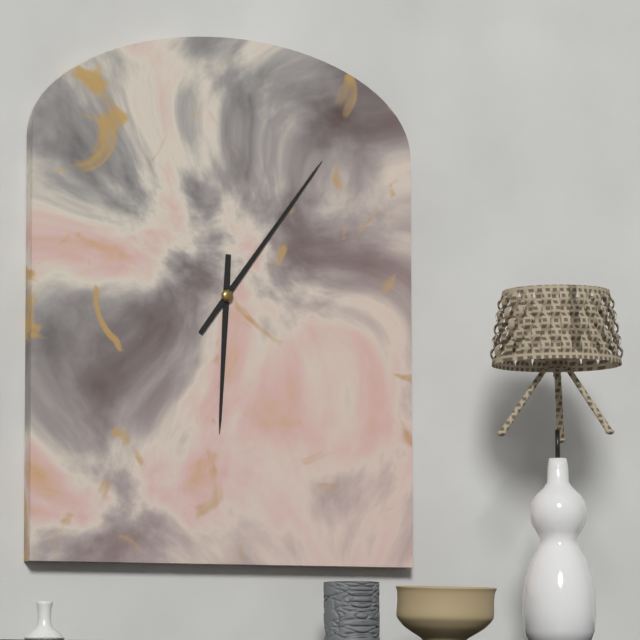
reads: 6,06
